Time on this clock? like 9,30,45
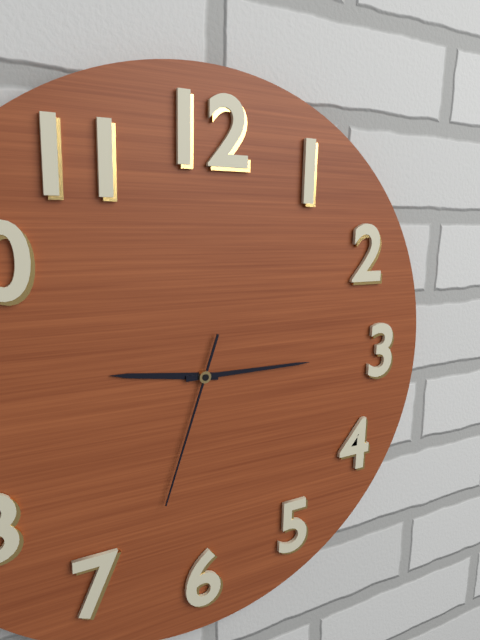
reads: 9,15,33
